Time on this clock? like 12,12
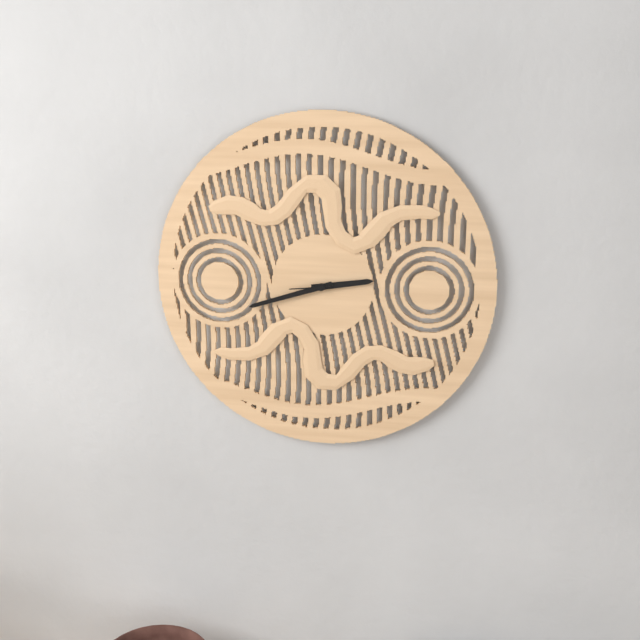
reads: 2,42
